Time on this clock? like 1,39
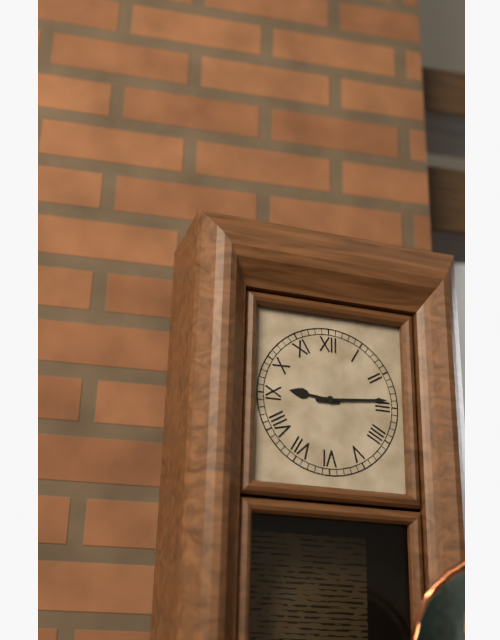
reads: 9,14
